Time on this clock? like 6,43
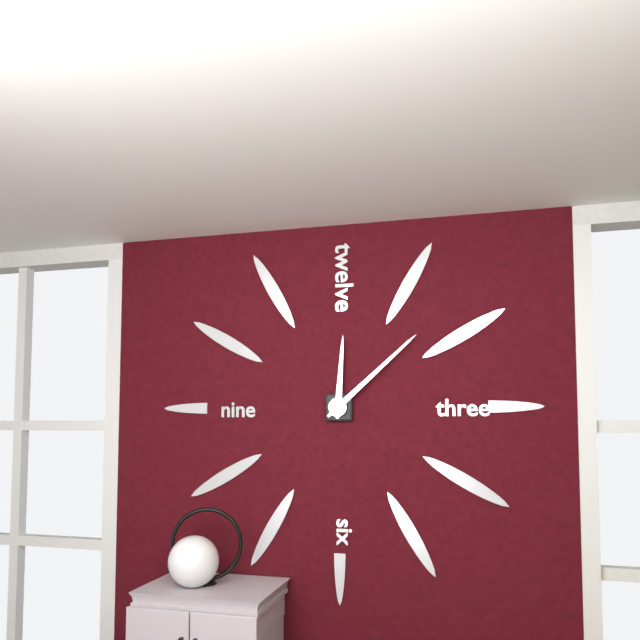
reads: 12,08
